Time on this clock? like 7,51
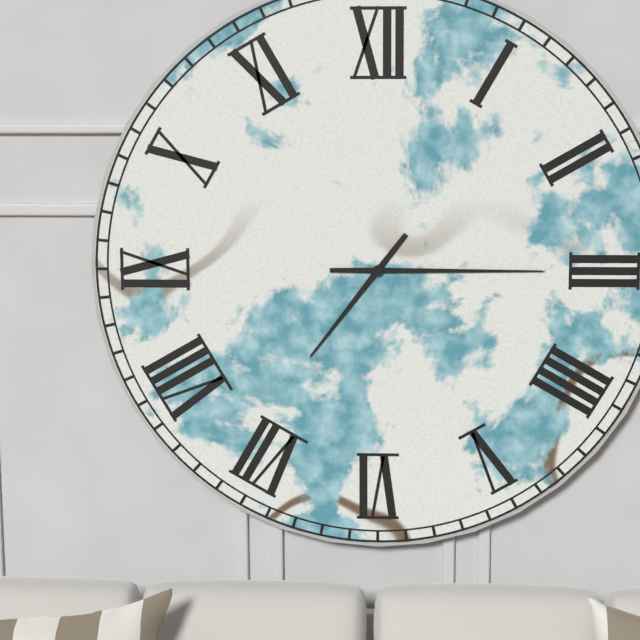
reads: 7,15
